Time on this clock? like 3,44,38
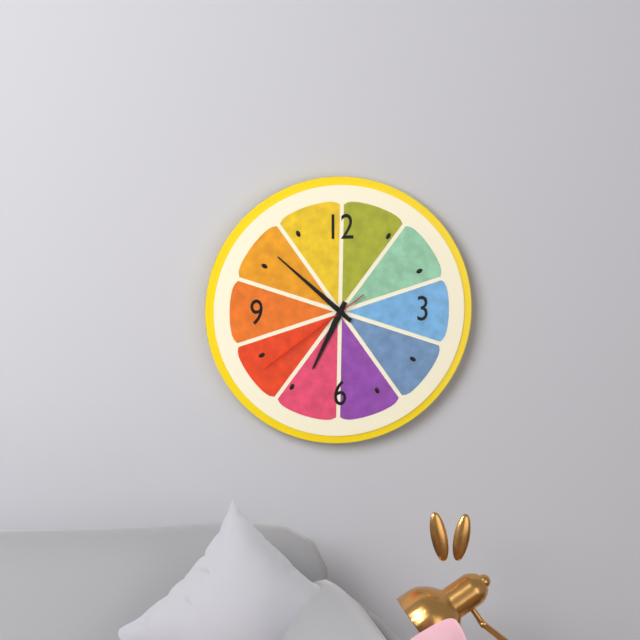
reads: 6,52,39
